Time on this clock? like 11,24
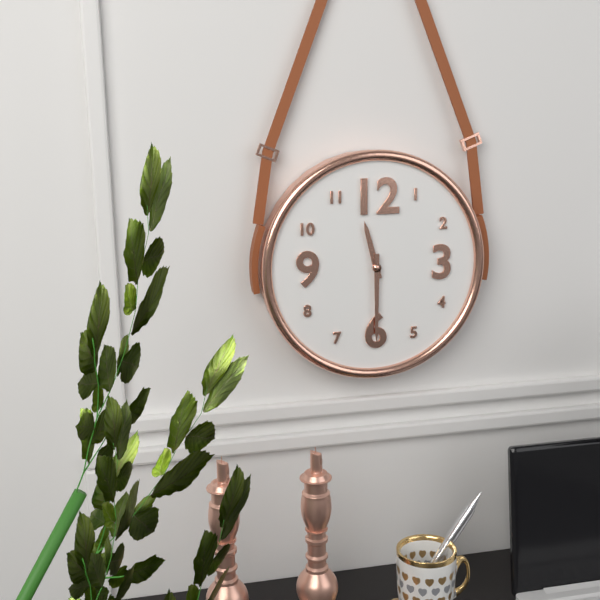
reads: 11,30
